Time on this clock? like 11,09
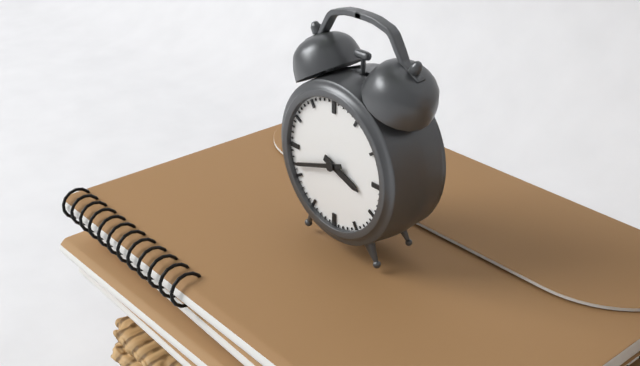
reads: 3,42
